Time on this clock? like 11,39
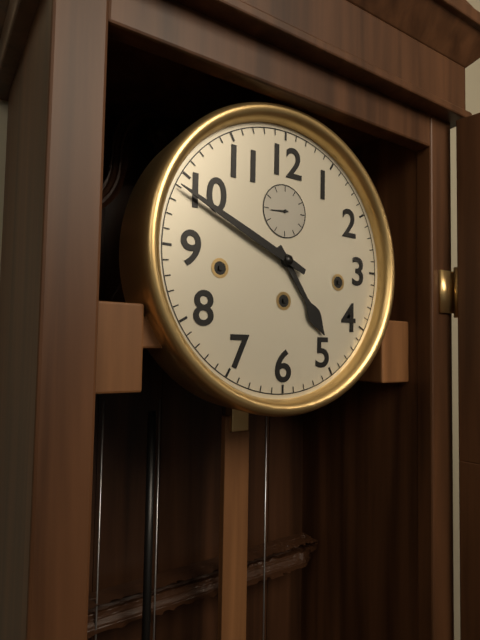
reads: 4,49
